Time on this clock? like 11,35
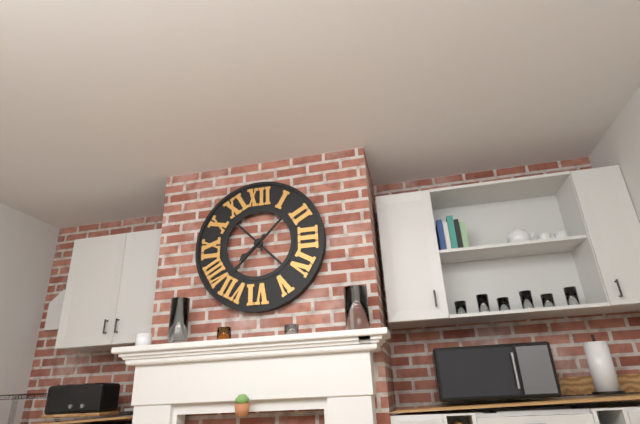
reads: 7,37
